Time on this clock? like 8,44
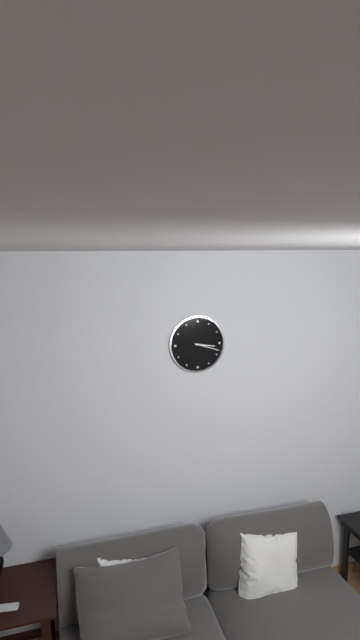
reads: 3,18
